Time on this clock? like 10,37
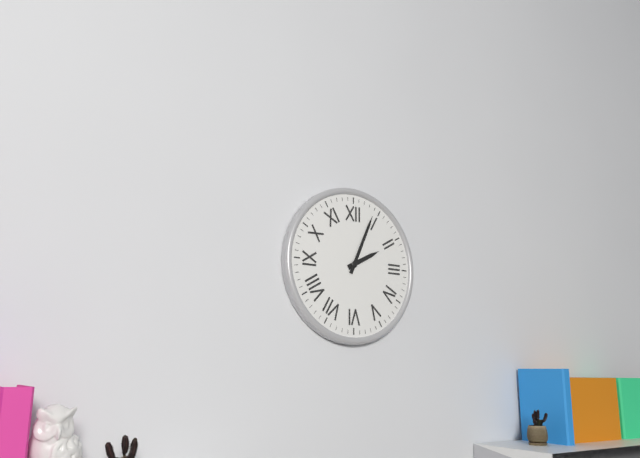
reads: 2,04
